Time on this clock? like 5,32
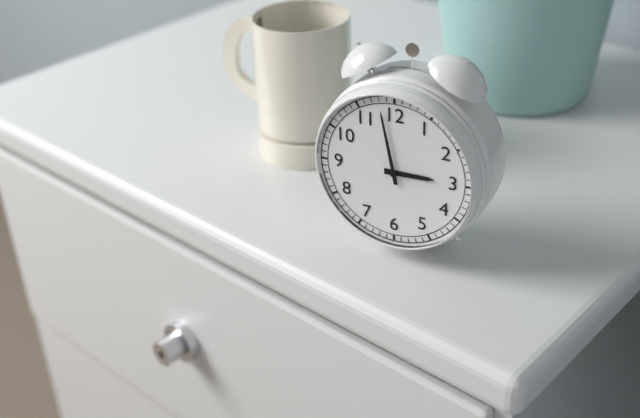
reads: 2,58
